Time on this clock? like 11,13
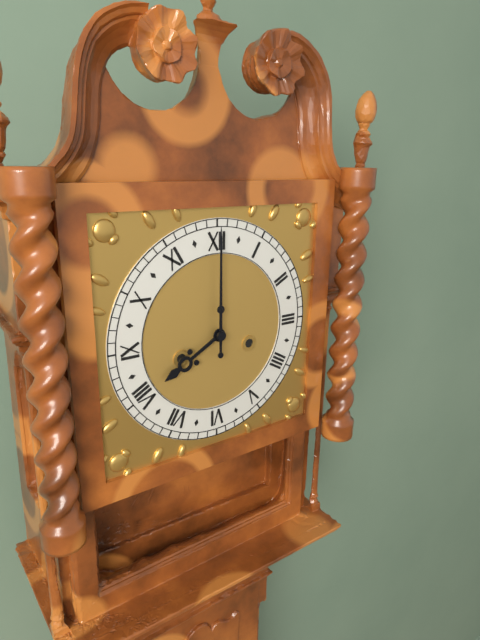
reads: 8,00
